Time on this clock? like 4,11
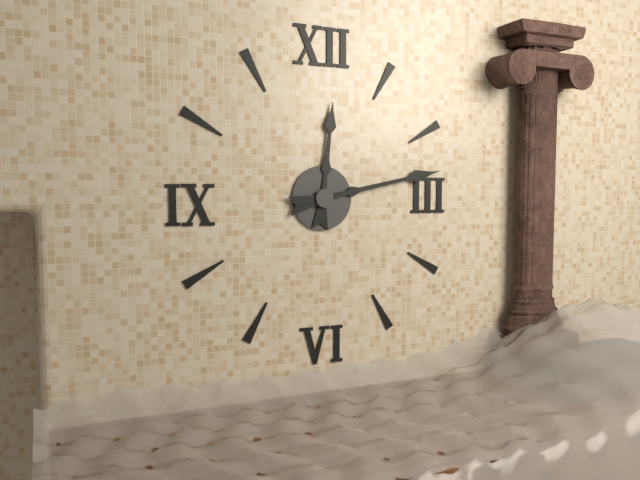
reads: 12,13
